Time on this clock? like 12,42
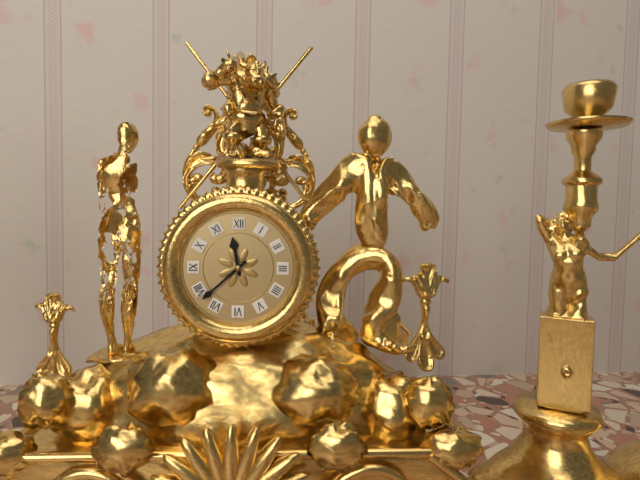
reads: 11,38
